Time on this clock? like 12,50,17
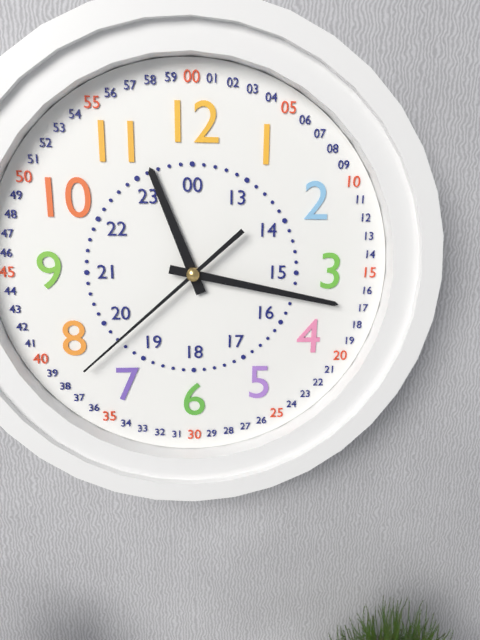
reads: 11,17,38
